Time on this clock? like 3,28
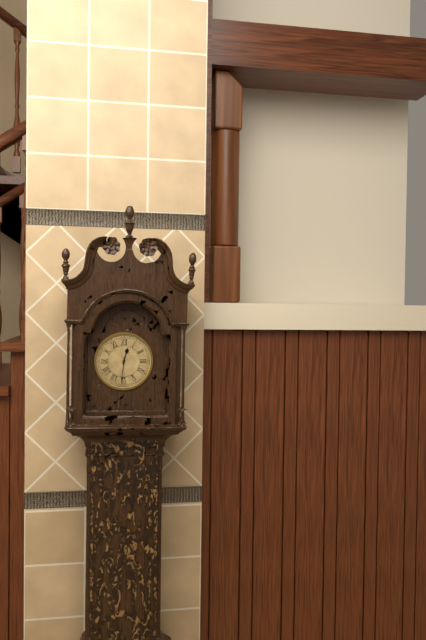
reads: 12,31
